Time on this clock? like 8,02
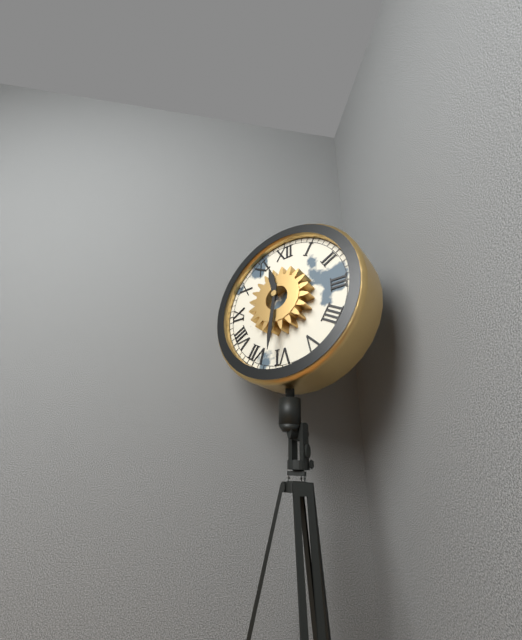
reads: 11,31
